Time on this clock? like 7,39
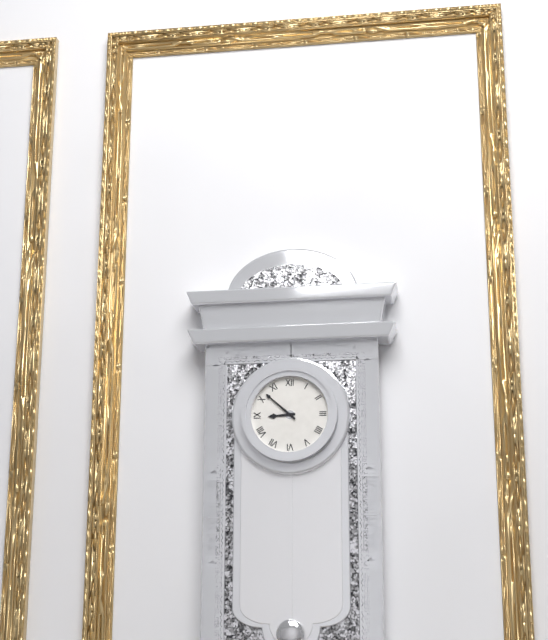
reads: 8,52
